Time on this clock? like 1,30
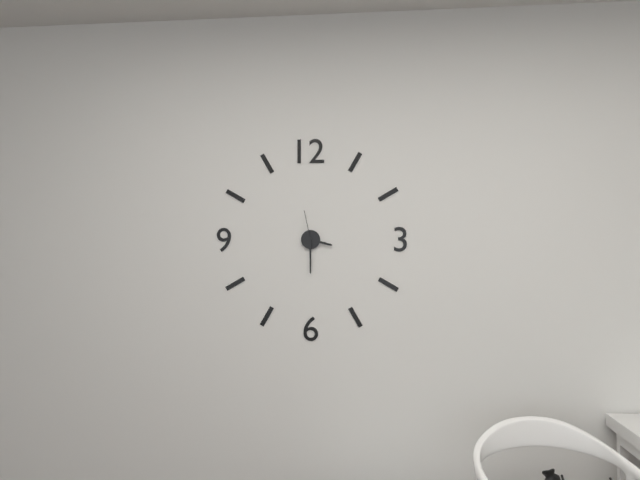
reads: 3,30
